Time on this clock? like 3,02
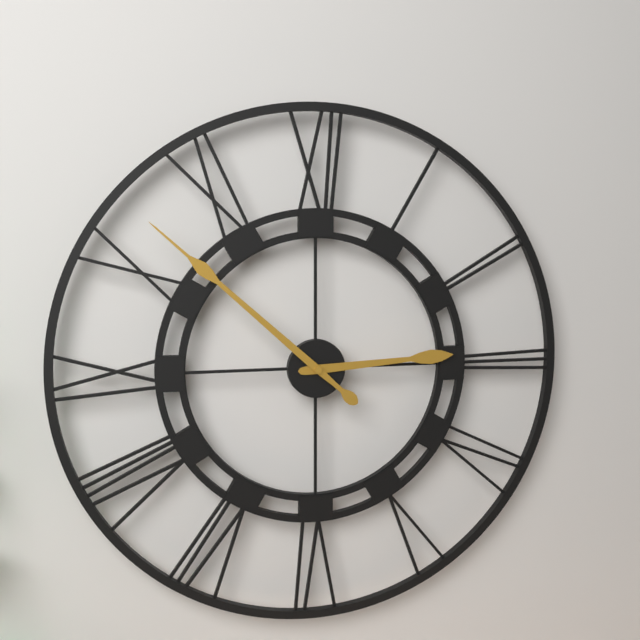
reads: 2,52
